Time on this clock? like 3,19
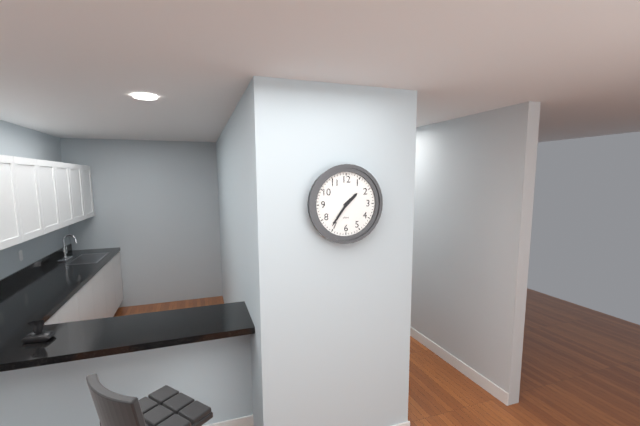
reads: 1,36
